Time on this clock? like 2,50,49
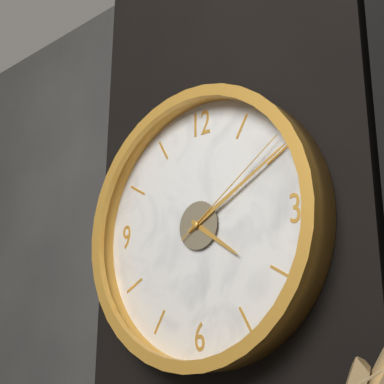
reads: 4,10,09
